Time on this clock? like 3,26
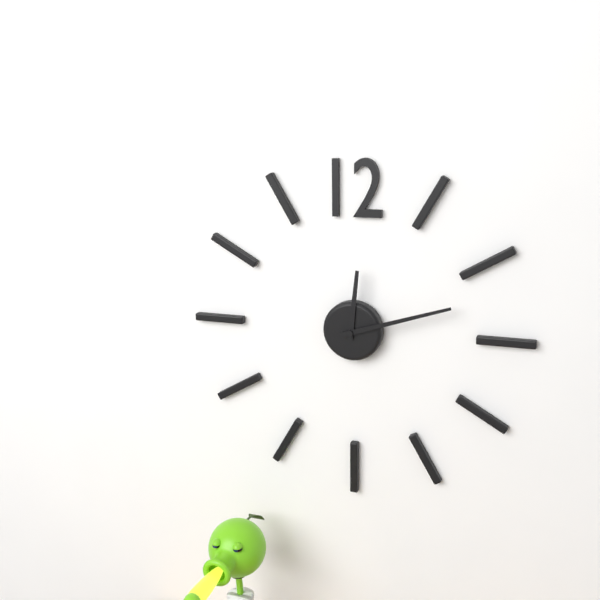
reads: 12,12
